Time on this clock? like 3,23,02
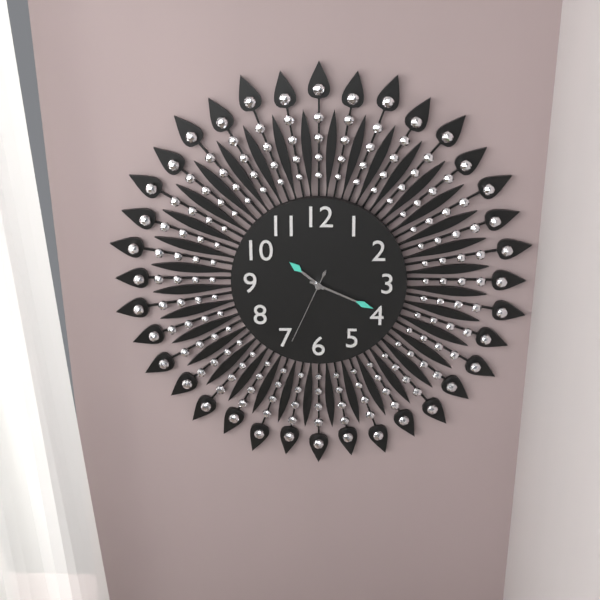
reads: 10,19,34
